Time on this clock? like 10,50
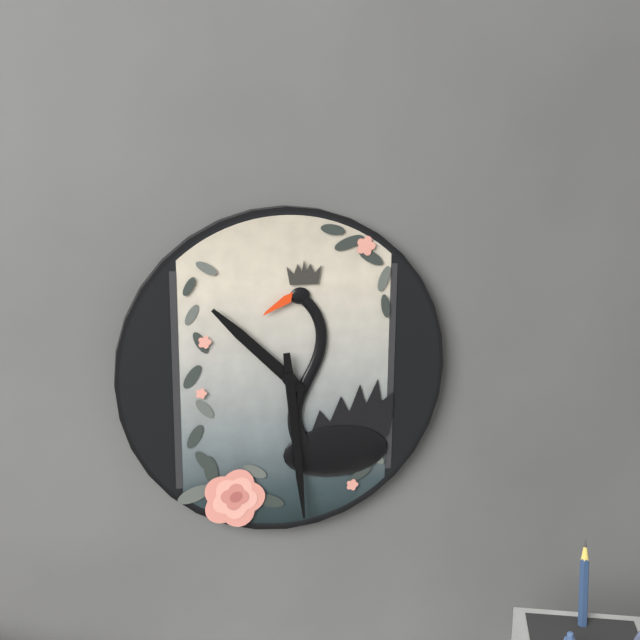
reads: 10,29
